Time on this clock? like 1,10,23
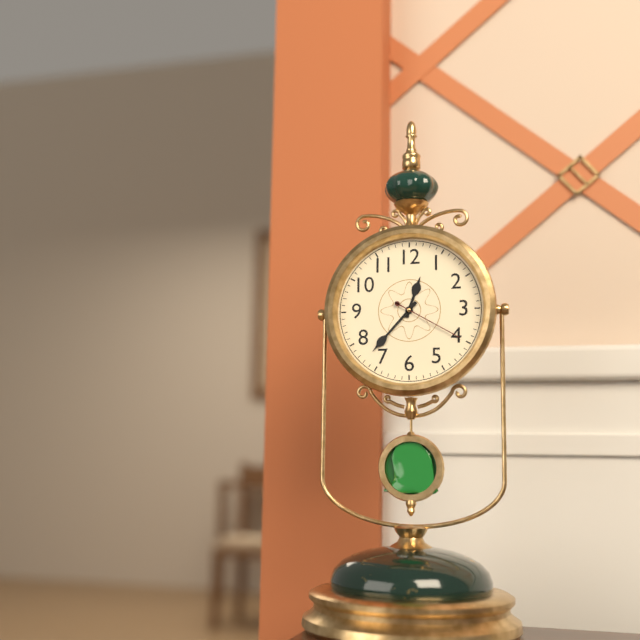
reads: 12,37,20
